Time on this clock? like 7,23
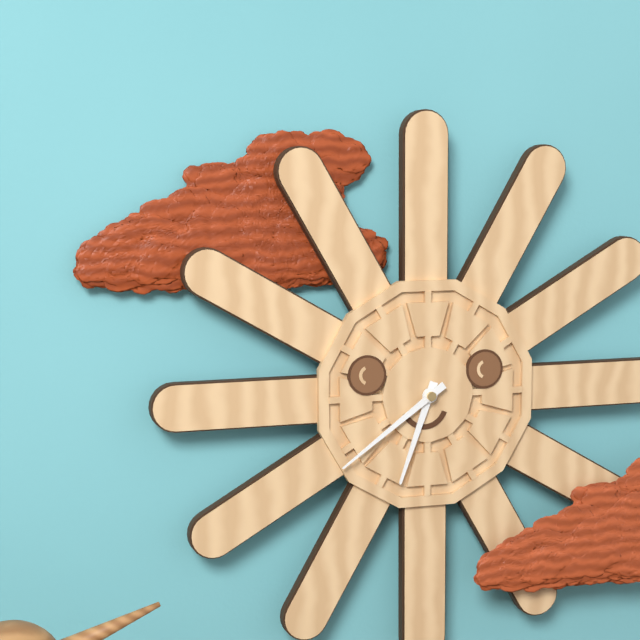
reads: 6,39
